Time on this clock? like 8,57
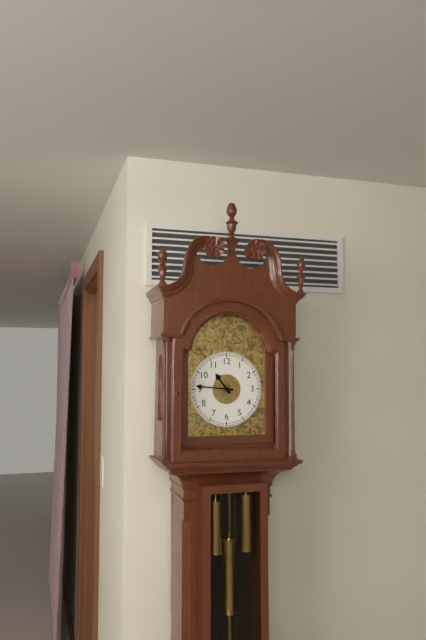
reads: 10,46
